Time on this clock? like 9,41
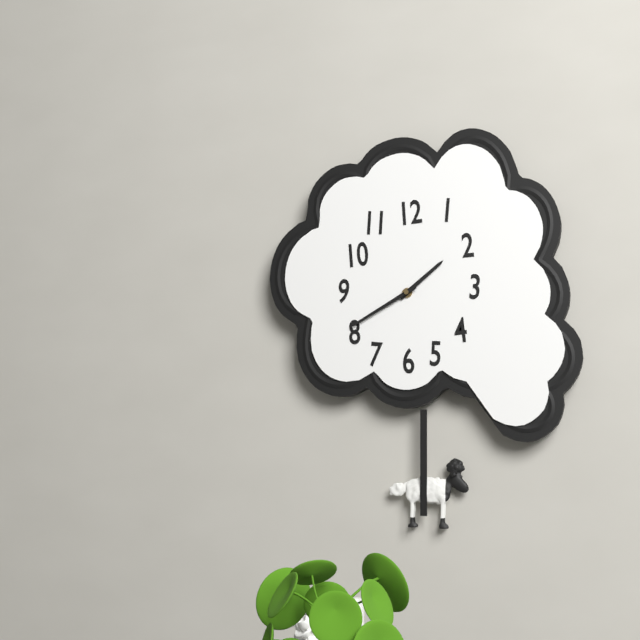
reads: 1,40
